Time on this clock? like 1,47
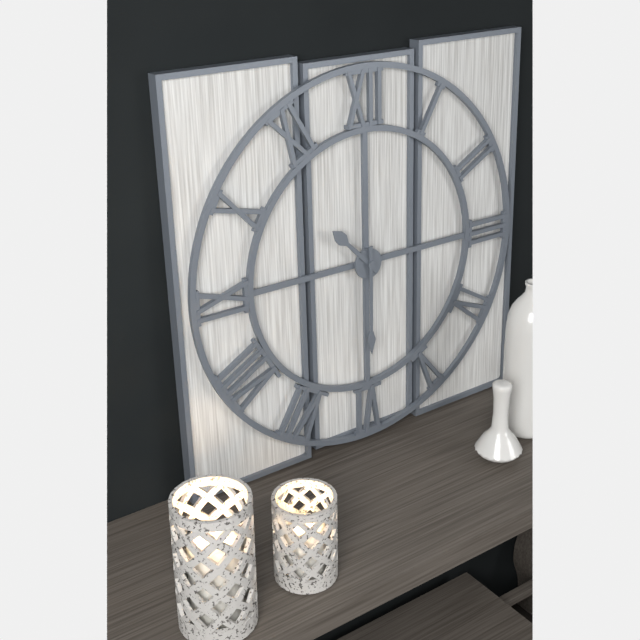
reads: 10,30
